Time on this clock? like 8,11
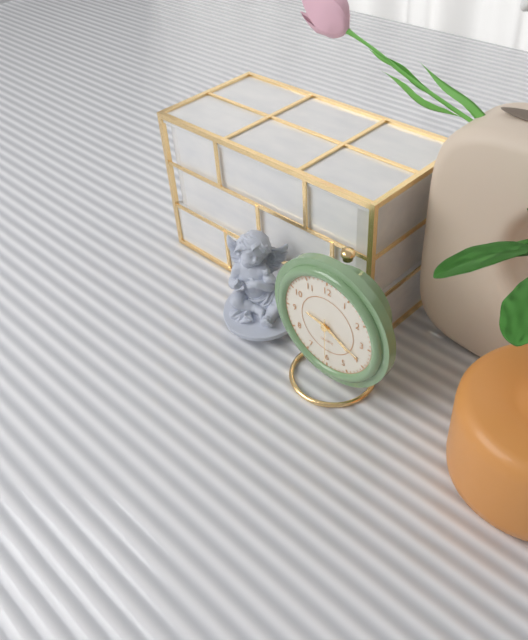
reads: 9,19
